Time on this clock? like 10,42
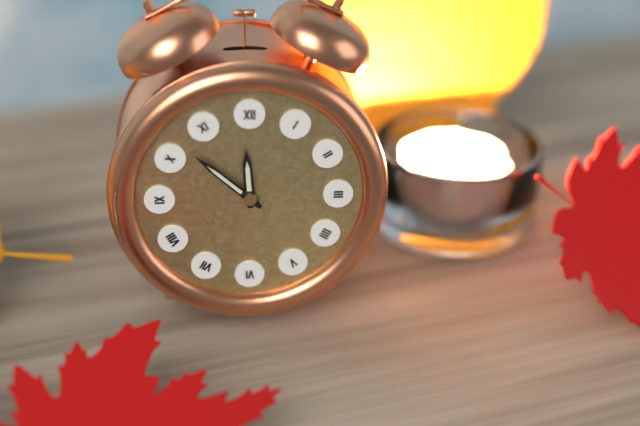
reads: 11,52
